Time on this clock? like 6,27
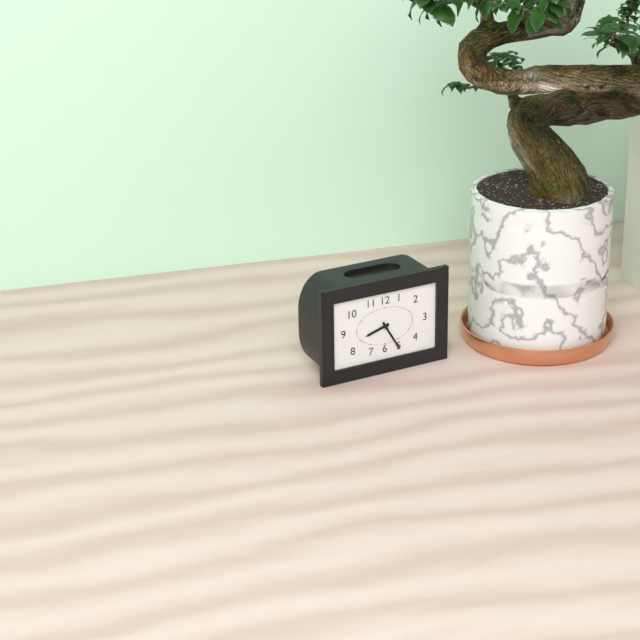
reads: 8,25
